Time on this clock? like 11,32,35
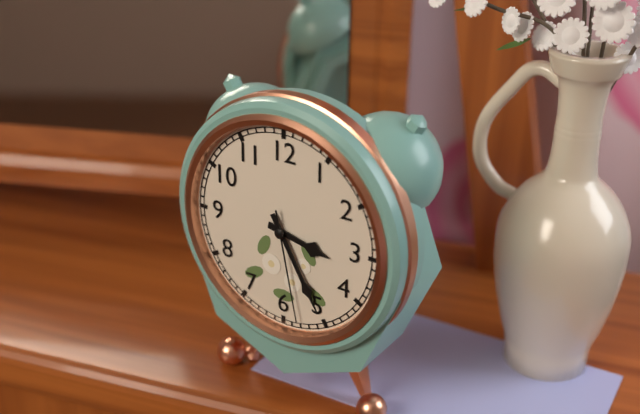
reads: 3,25,28
